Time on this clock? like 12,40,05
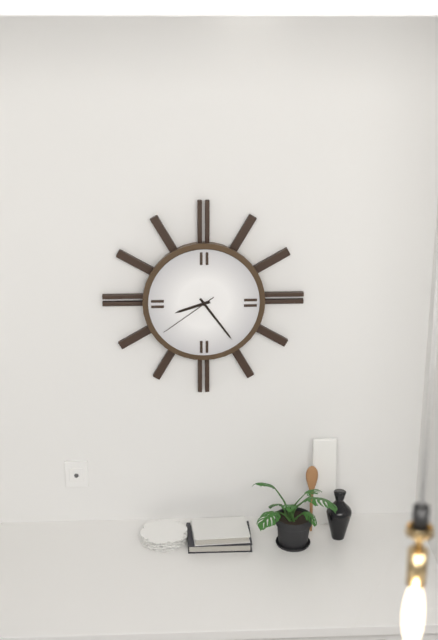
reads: 8,24,39
